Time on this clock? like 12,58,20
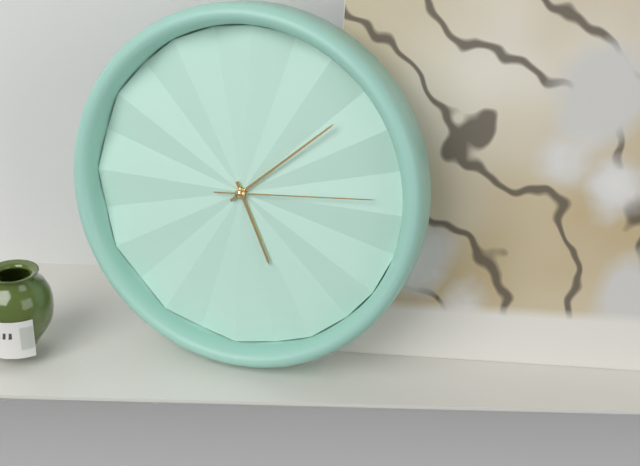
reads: 5,08,14
